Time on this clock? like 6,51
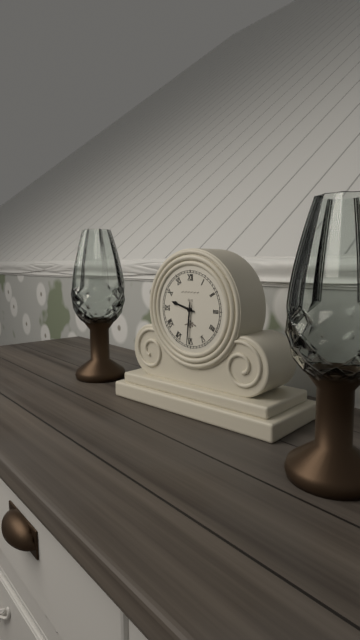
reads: 9,31
